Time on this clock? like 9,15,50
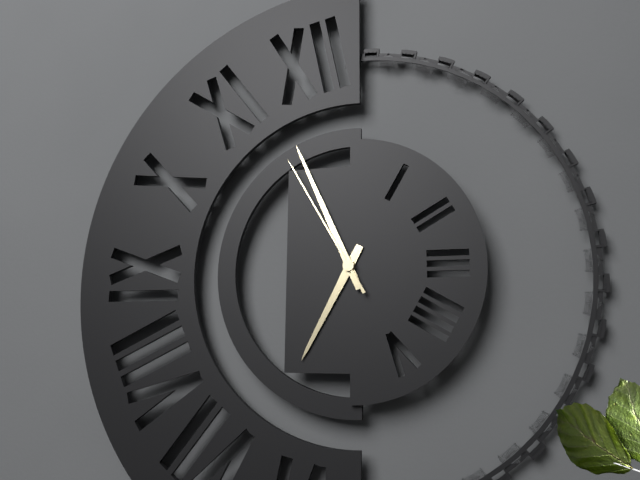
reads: 6,56,55
